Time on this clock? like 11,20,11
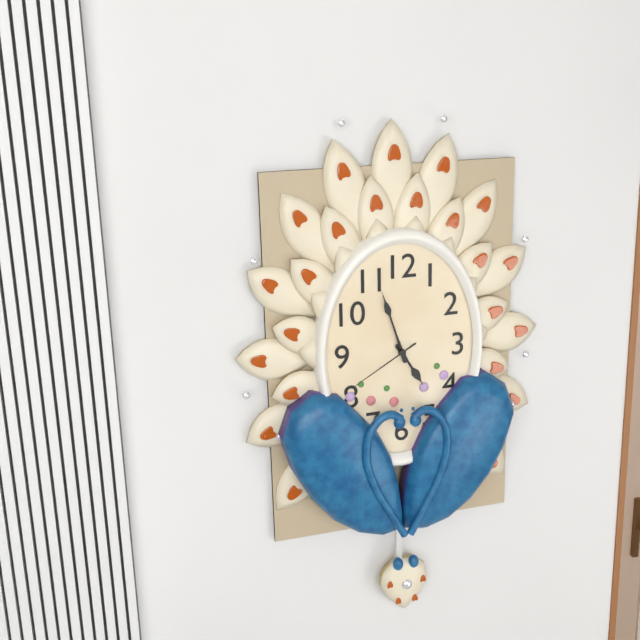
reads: 4,57,40
